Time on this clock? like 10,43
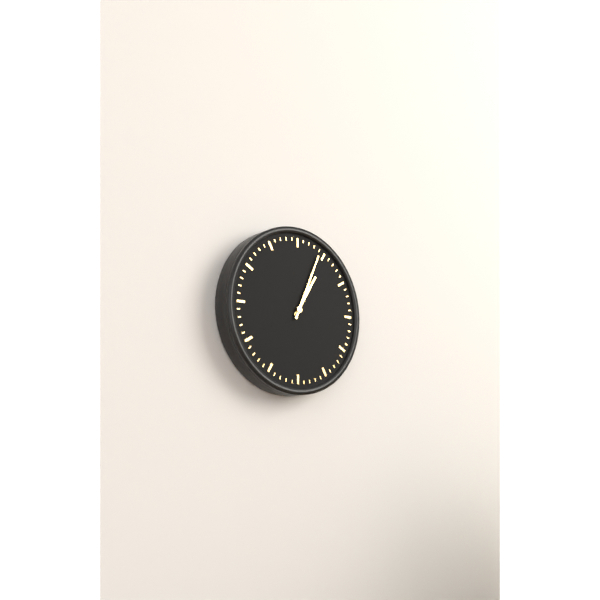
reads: 1,04
